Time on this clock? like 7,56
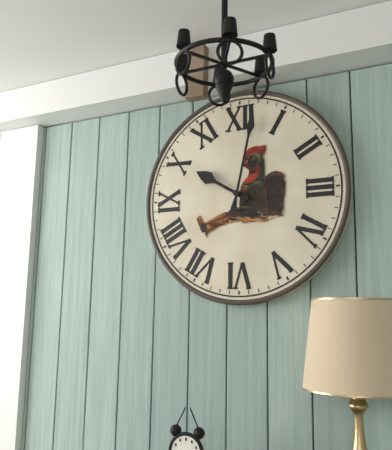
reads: 10,02
